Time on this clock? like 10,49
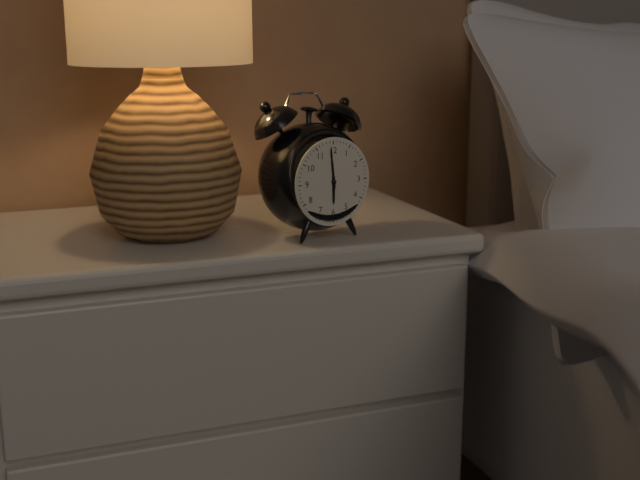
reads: 5,59
